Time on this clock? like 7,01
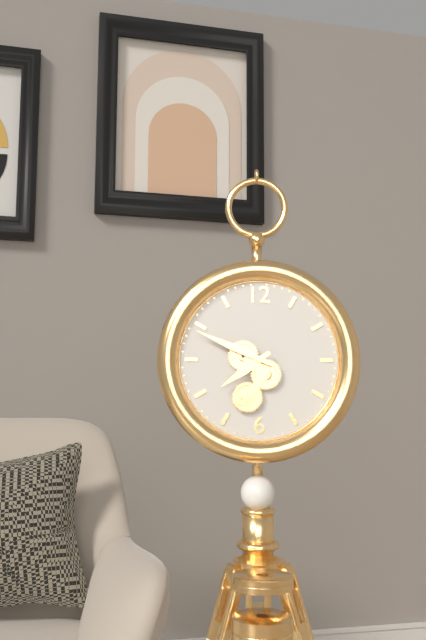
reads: 7,49
